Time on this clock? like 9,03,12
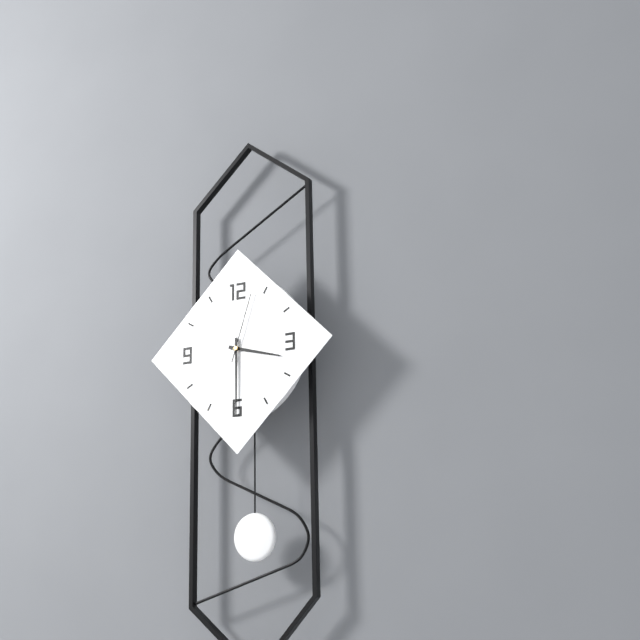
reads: 3,30,03
